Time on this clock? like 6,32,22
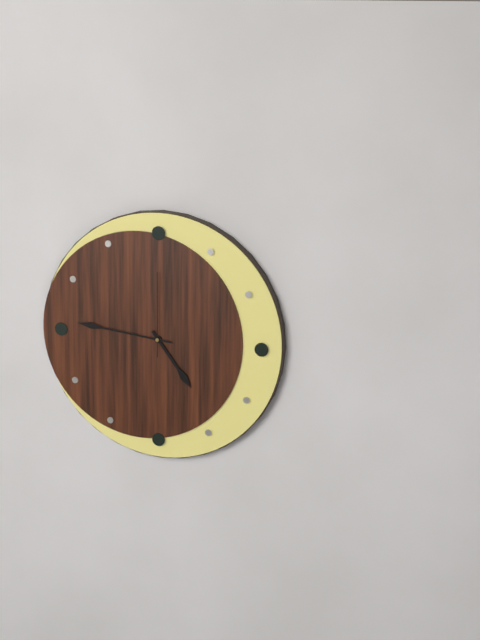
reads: 4,46,00
